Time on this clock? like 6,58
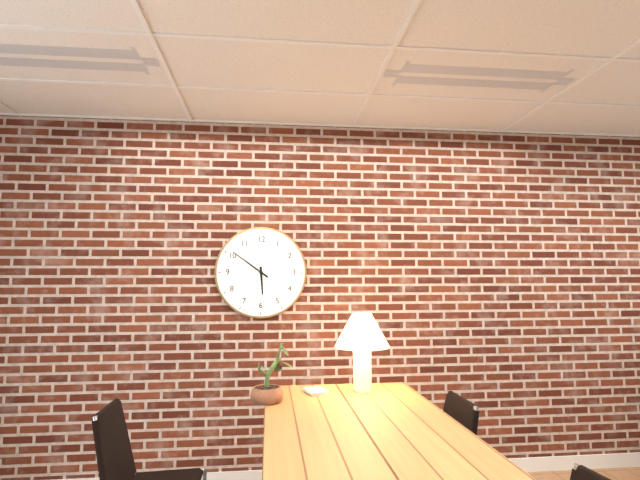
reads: 5,51
